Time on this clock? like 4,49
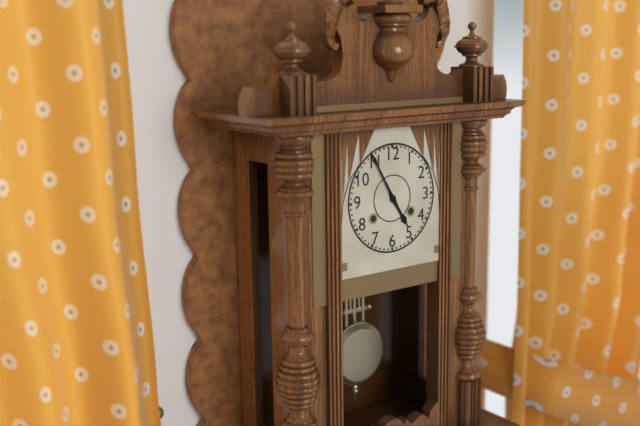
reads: 4,55
